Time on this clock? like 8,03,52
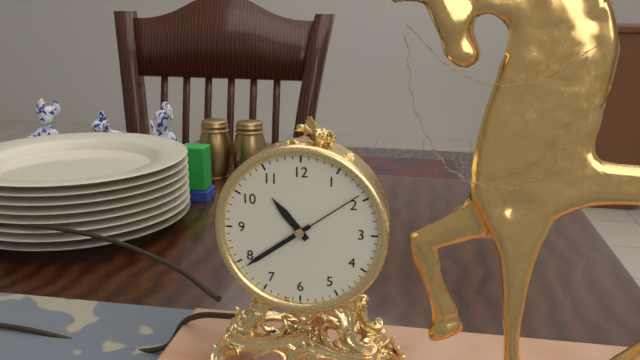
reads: 10,39,09
